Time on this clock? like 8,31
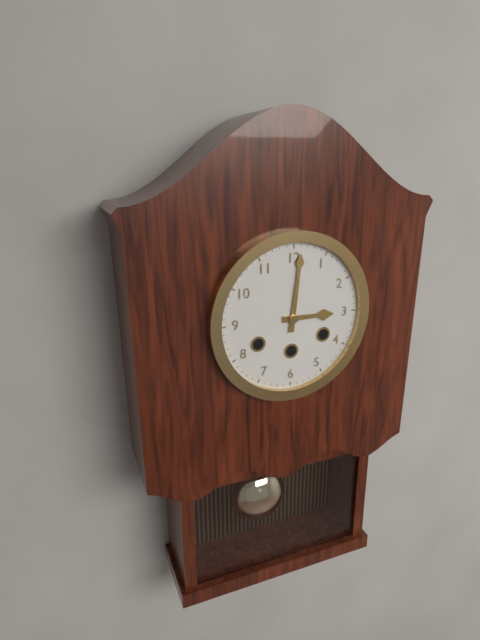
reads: 3,01
